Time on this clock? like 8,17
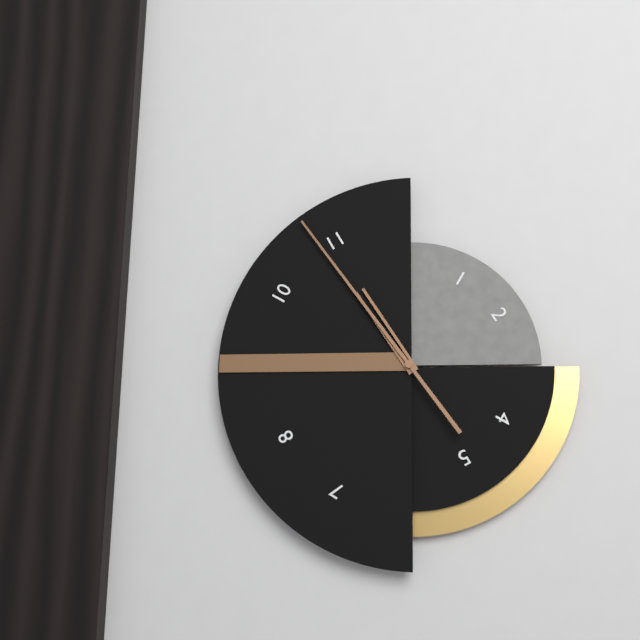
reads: 10,54
